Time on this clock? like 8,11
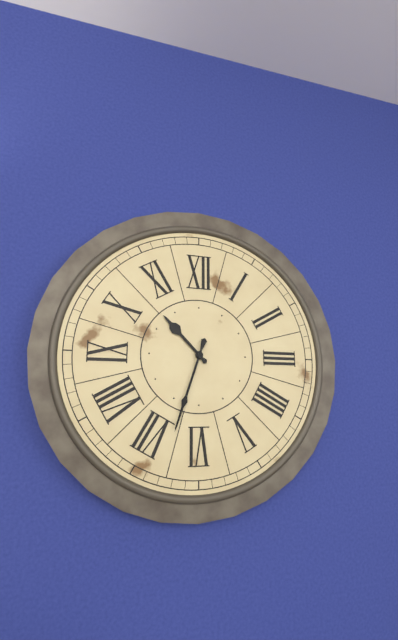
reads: 10,33
